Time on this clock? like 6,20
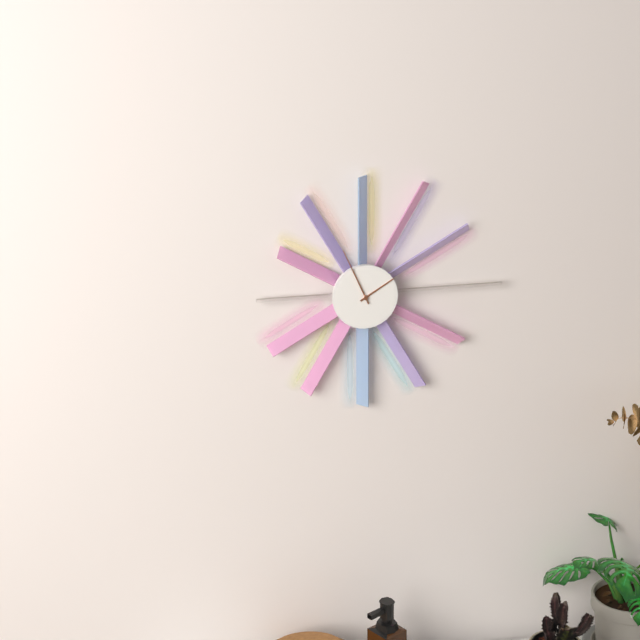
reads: 1,56
